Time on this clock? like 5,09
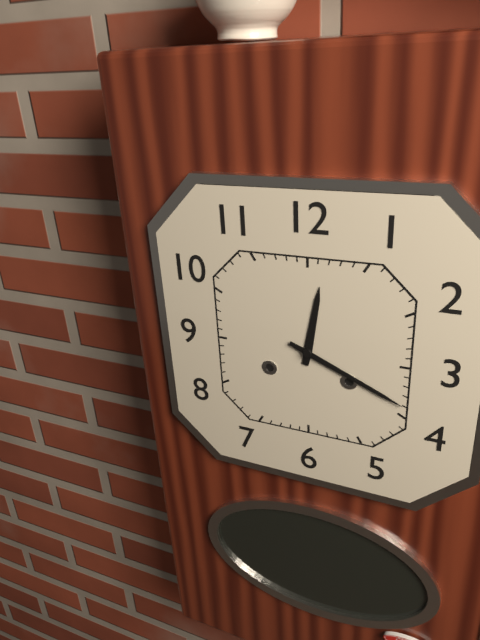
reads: 12,19
